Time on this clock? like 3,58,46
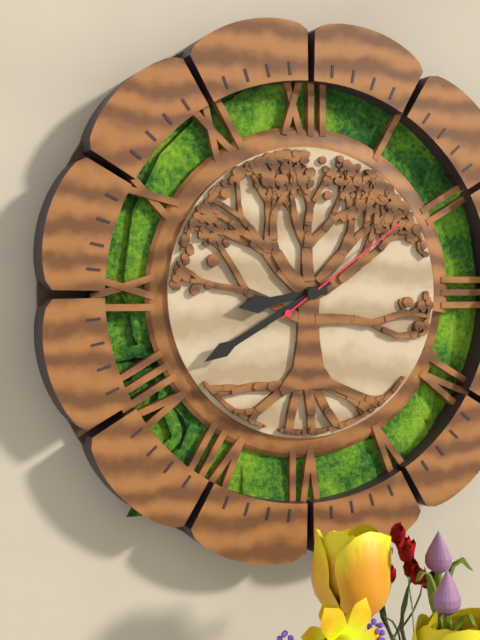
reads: 8,40,09
